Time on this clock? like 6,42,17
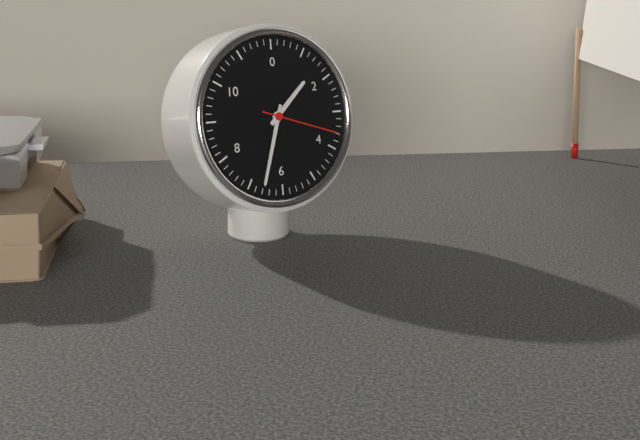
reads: 1,33,18
